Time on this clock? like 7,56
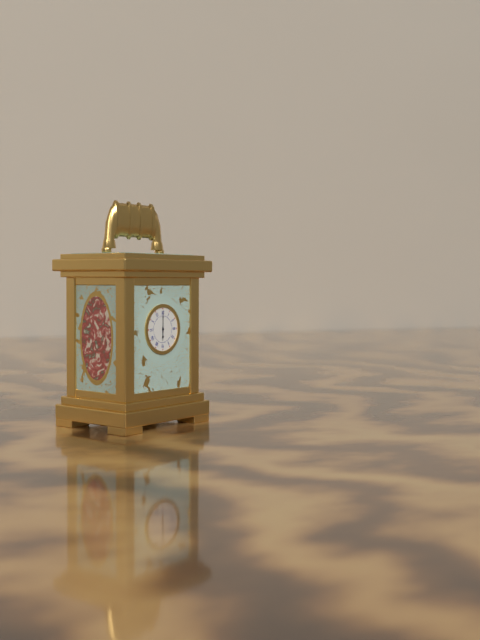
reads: 6,00
